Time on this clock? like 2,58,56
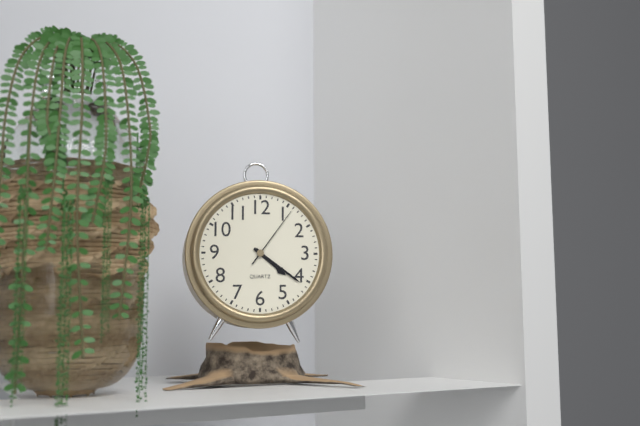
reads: 4,21,06
